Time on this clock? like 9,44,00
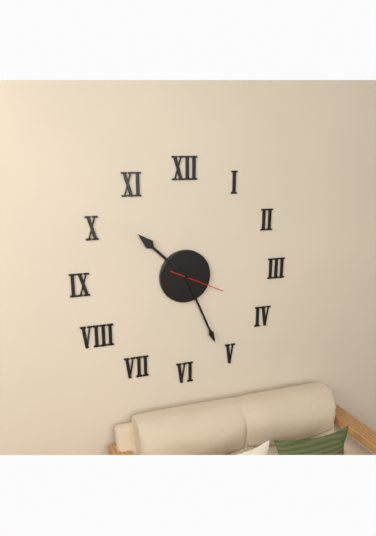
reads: 10,26,19
